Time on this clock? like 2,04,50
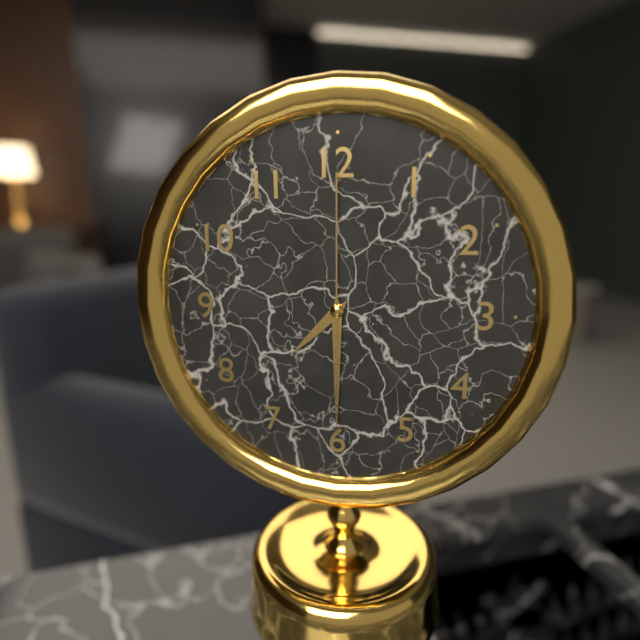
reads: 7,30,00
